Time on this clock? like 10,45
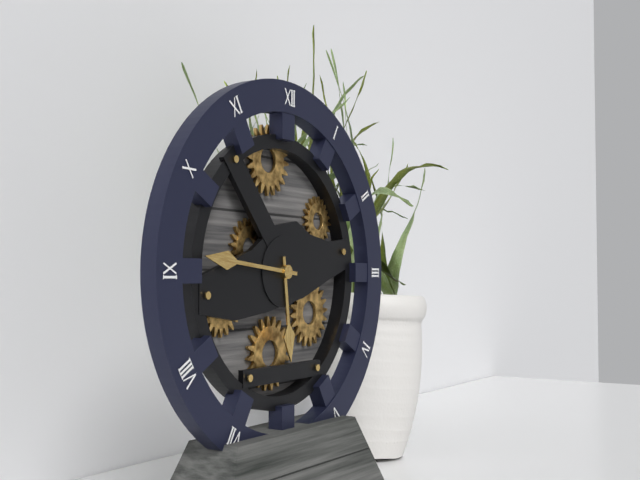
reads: 5,46
